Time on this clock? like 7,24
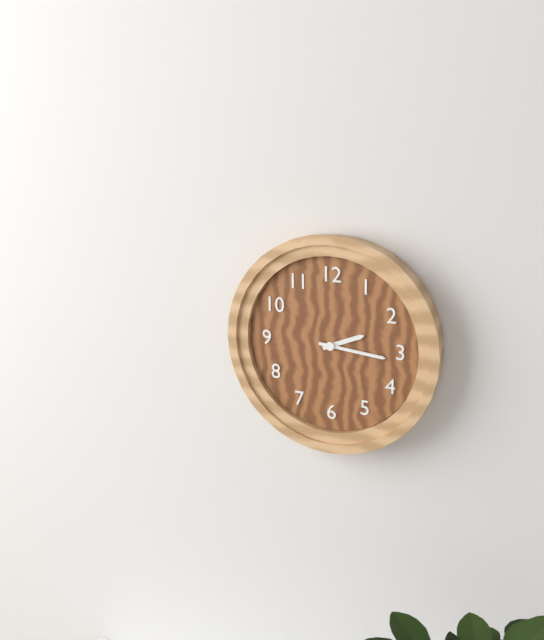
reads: 2,16
